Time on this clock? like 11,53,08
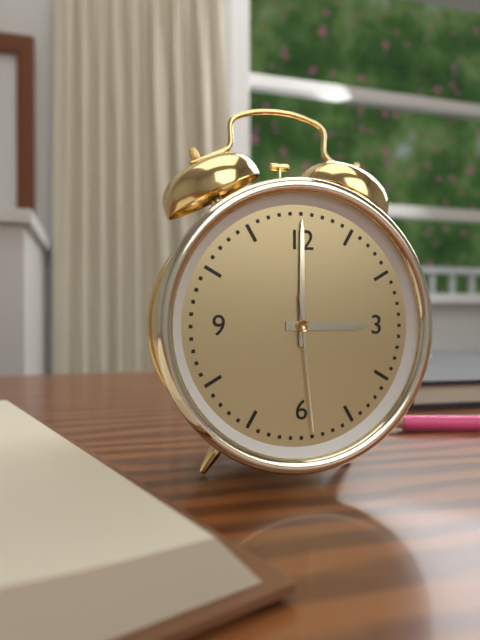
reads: 3,00,29
